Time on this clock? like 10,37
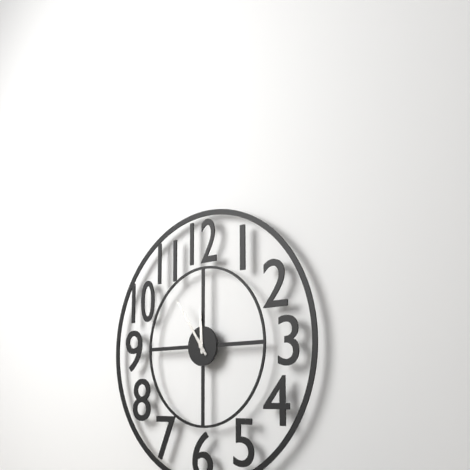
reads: 11,54
